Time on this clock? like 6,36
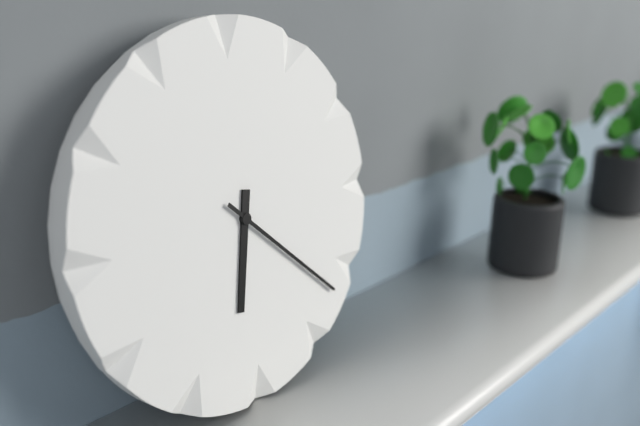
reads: 6,22
